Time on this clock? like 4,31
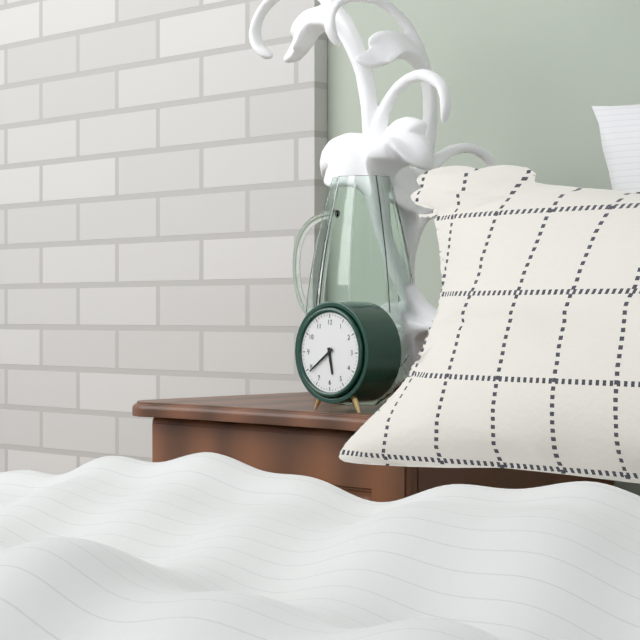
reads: 5,39
